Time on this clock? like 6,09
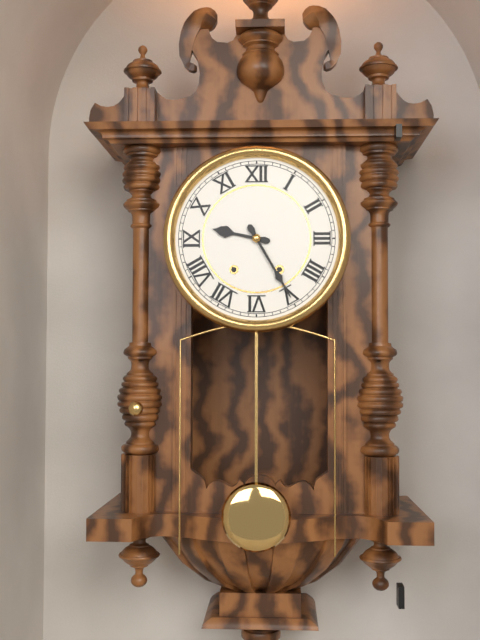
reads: 9,25
